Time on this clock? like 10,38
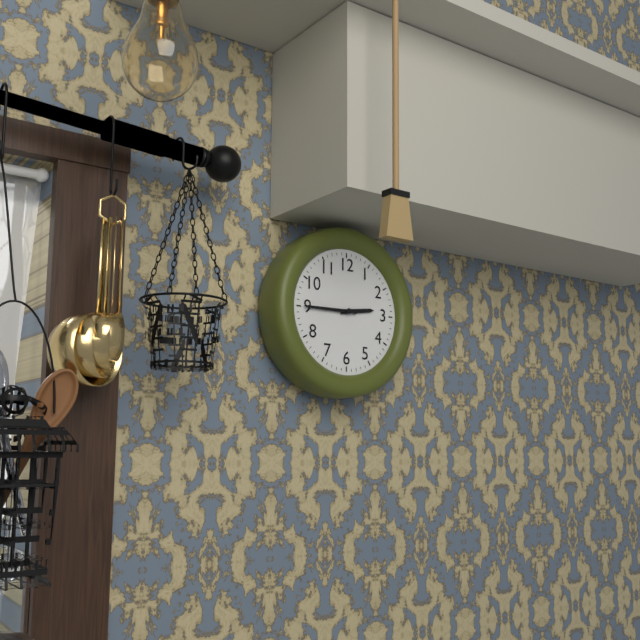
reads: 2,45
